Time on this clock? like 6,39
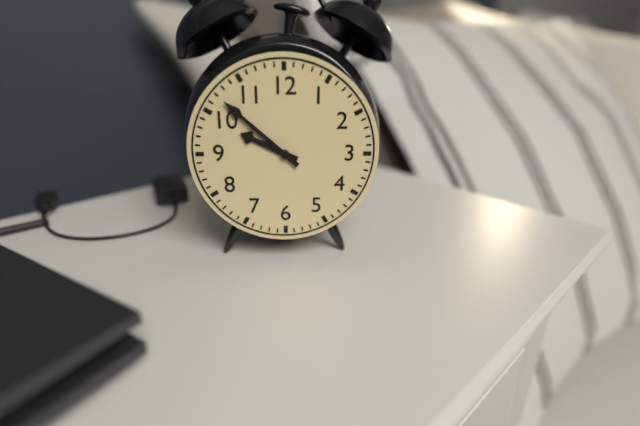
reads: 9,52
